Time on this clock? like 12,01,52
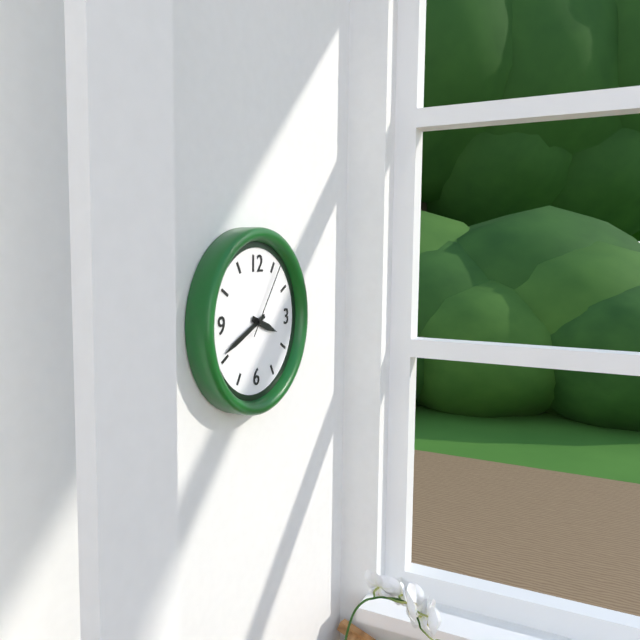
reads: 3,41,06
